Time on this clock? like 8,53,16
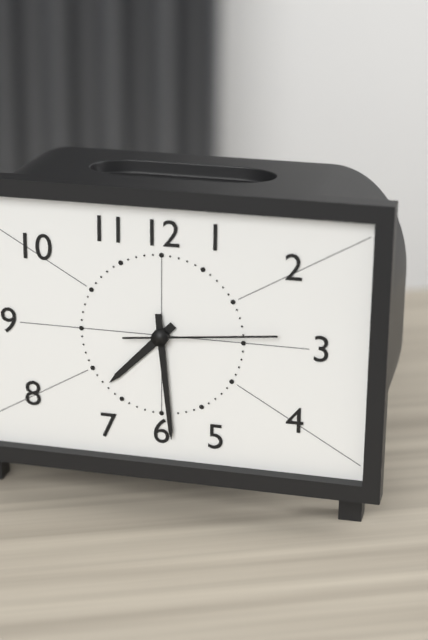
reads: 7,29,14
